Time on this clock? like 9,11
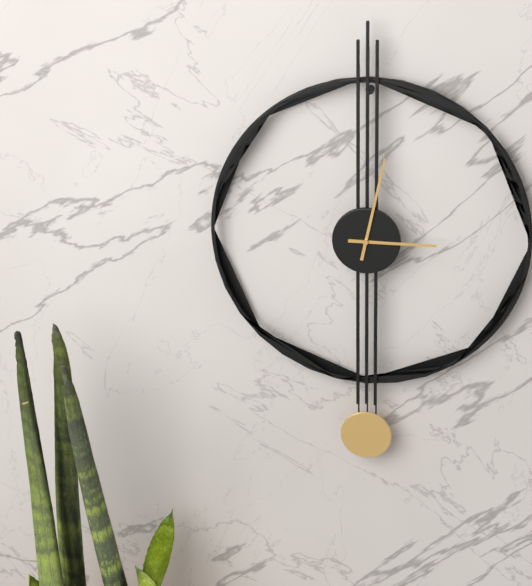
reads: 3,02
